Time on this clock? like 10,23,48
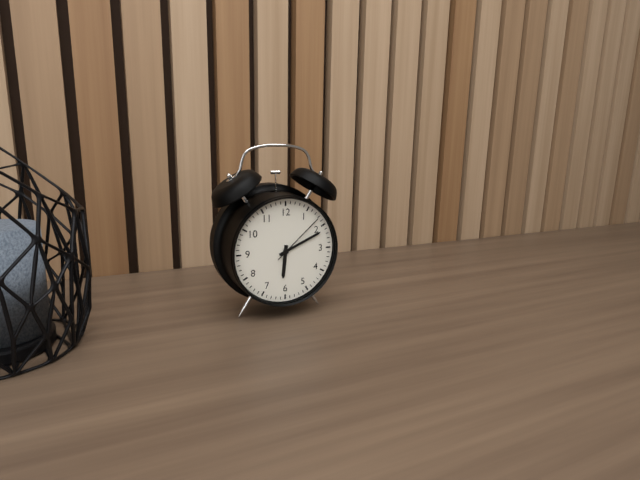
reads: 6,11,08
